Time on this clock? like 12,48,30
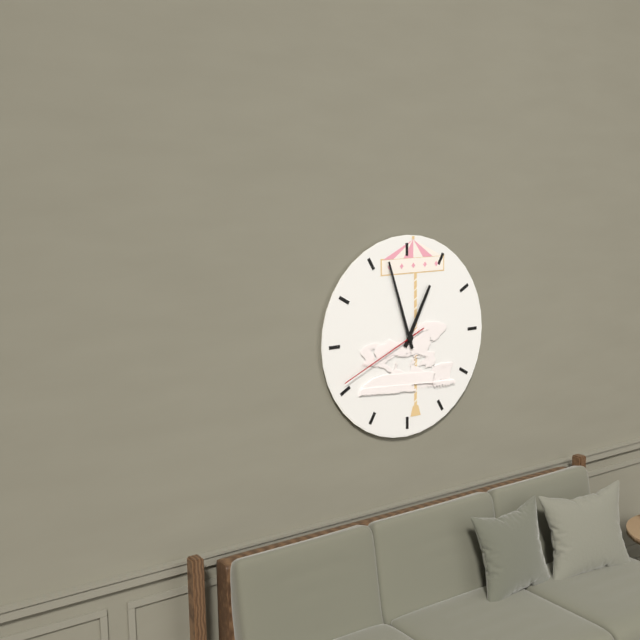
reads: 12,57,41
